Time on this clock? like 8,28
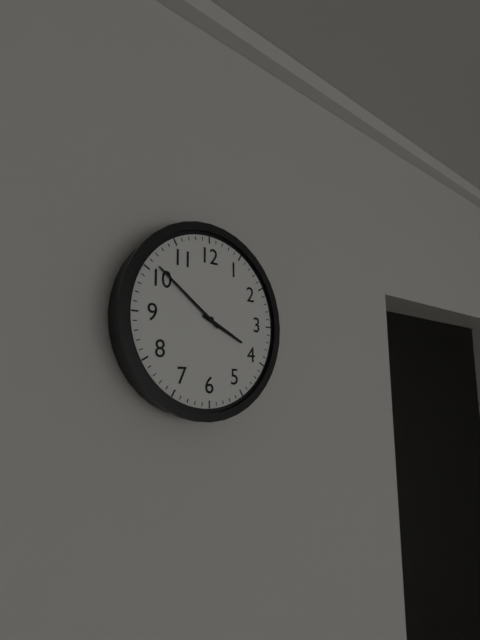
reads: 3,51
